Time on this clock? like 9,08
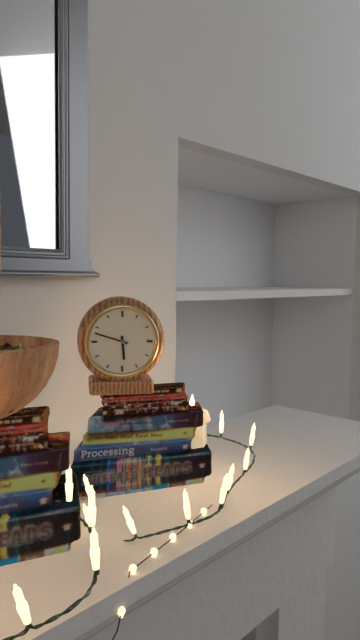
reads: 5,48
